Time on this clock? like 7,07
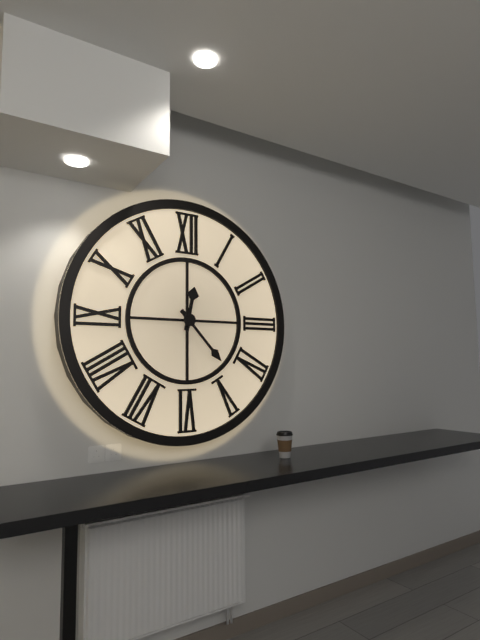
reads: 12,23
